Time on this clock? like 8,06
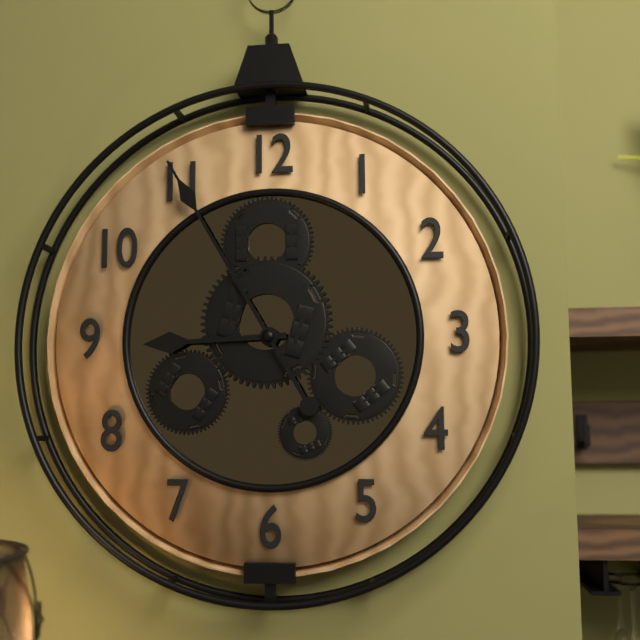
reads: 8,55
